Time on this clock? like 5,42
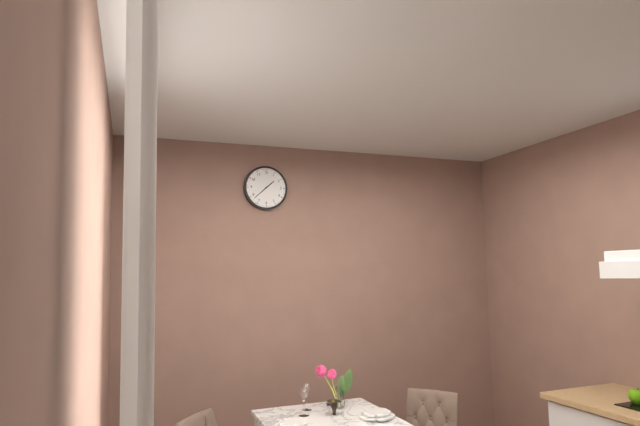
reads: 1,38
